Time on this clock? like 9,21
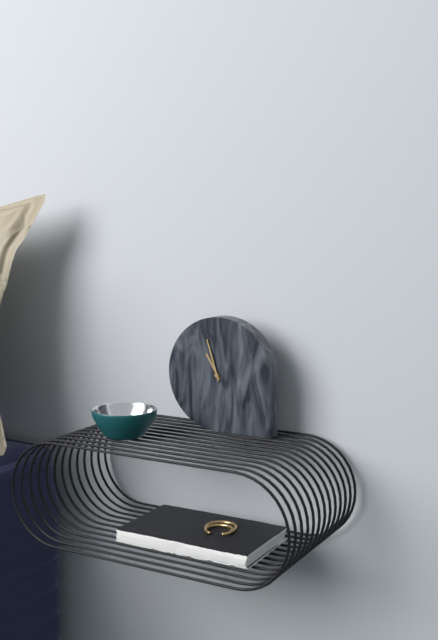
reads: 10,57
